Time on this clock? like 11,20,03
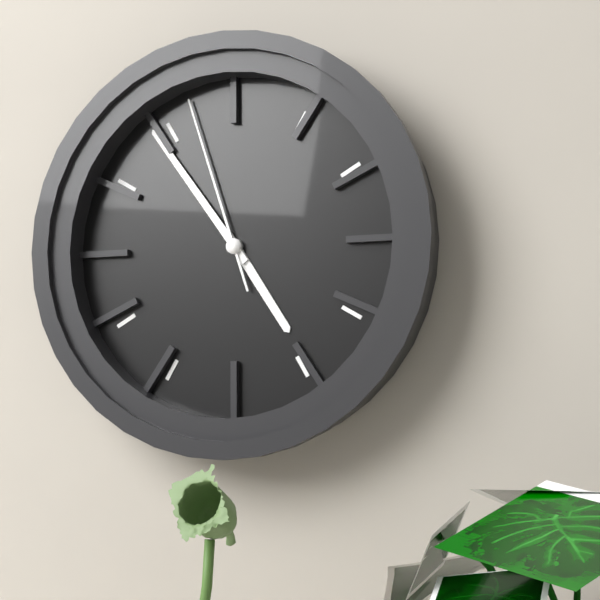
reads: 4,54,57
